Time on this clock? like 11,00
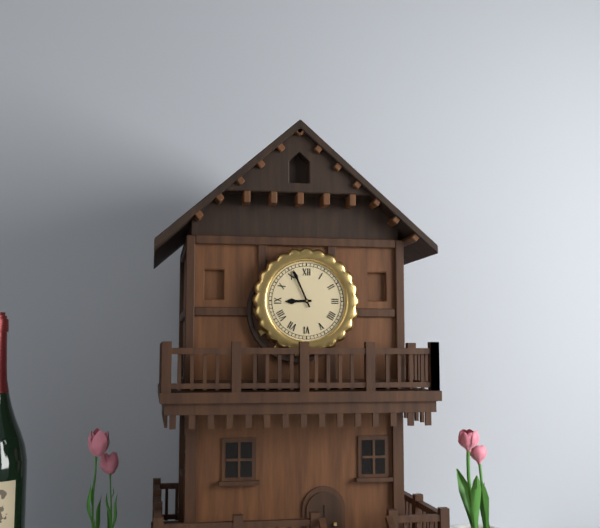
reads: 8,56
